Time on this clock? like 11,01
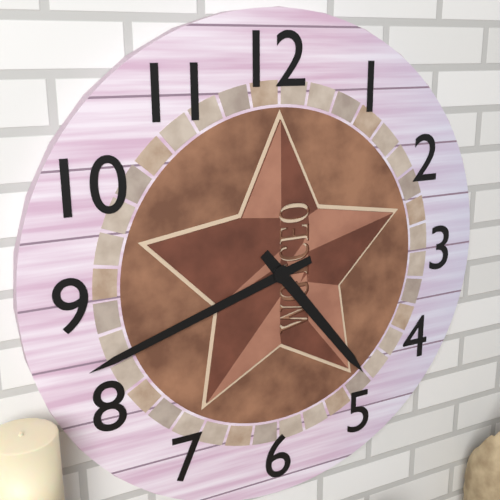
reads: 4,42
